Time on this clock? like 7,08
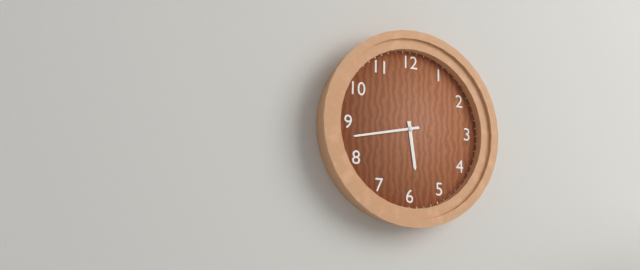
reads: 5,43
